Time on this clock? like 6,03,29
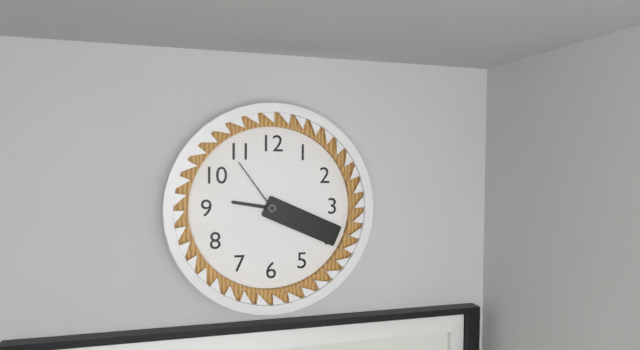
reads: 9,19,54
